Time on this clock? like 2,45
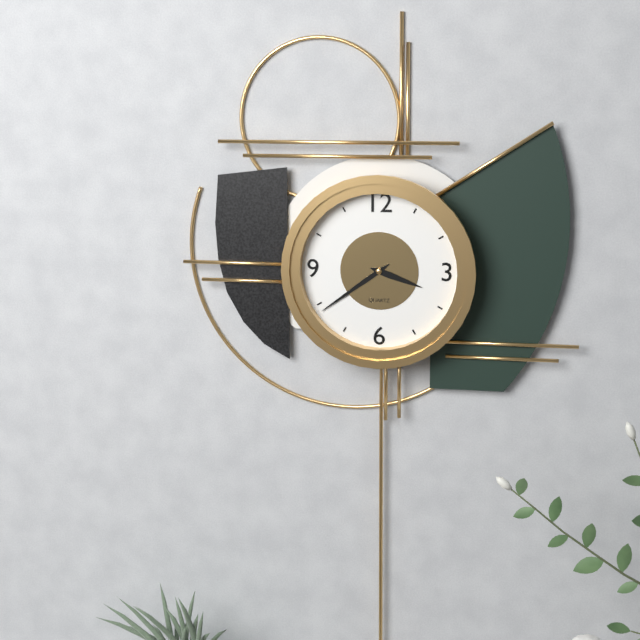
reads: 3,39
